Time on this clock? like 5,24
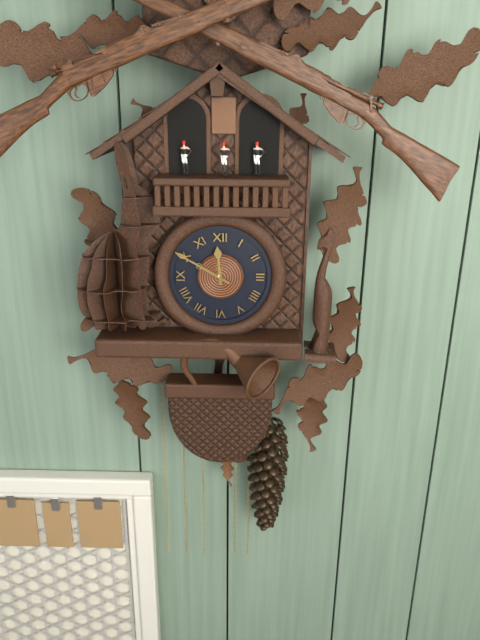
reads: 11,50
